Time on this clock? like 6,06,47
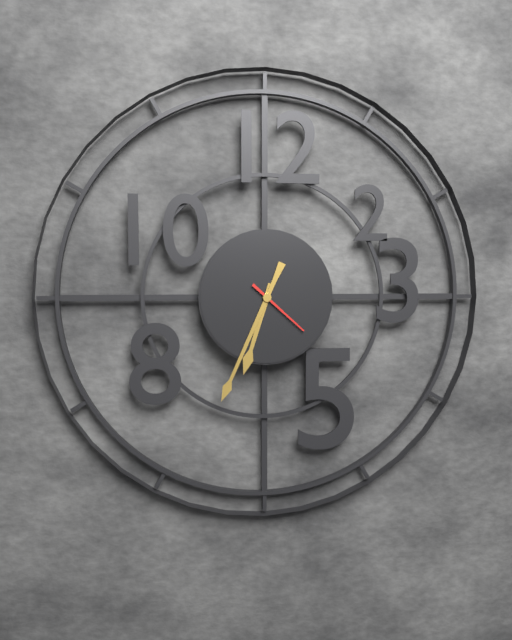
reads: 6,34,22
